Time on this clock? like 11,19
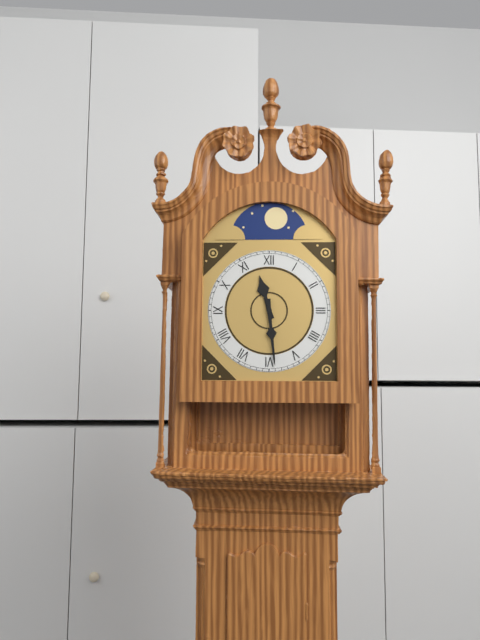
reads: 11,29
